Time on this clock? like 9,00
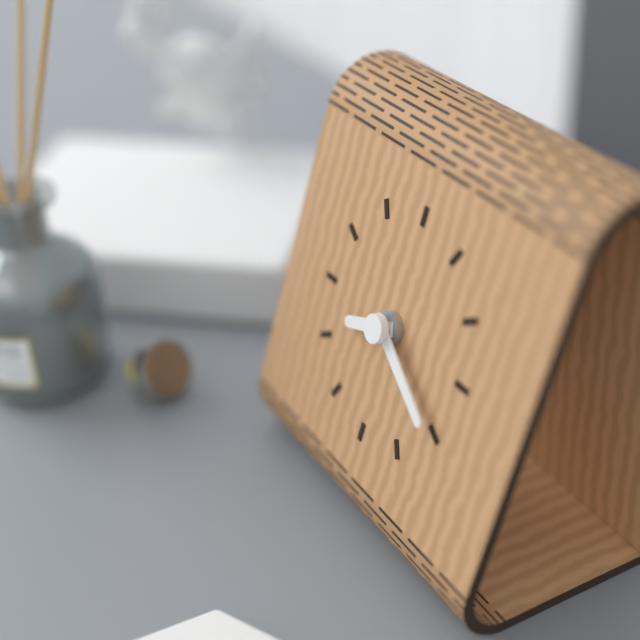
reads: 8,20
